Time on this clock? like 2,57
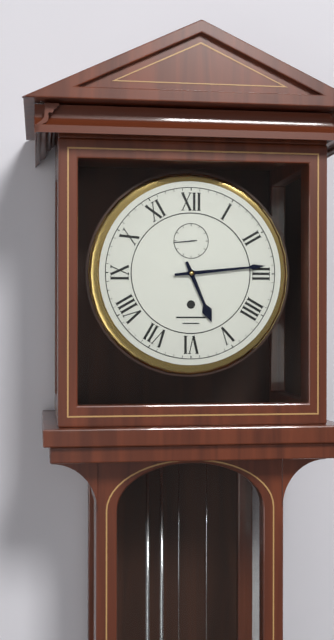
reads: 5,14
